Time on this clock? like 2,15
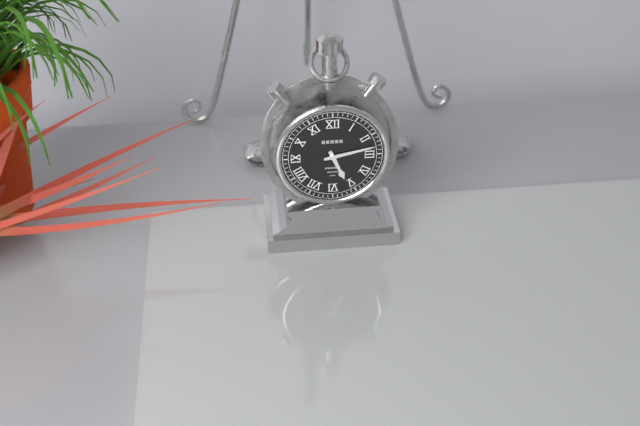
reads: 5,13
